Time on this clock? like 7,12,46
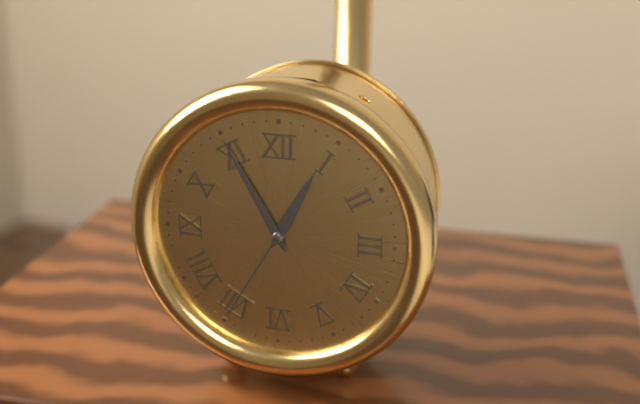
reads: 12,55,35
